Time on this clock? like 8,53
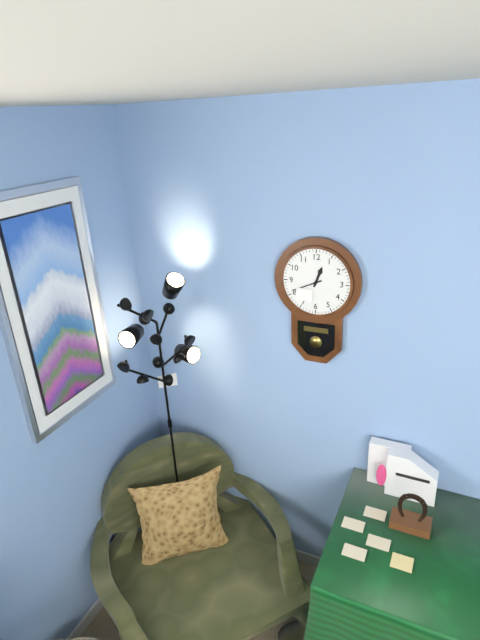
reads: 12,41
